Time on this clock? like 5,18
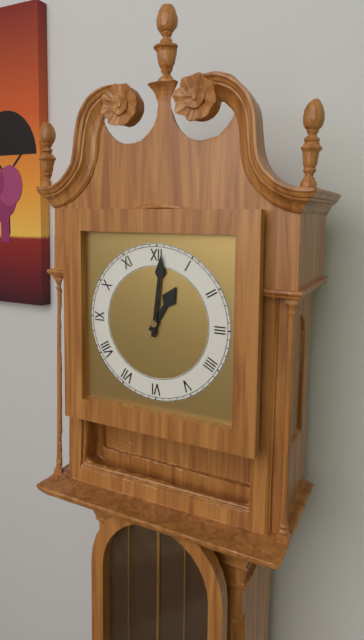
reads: 1,01
